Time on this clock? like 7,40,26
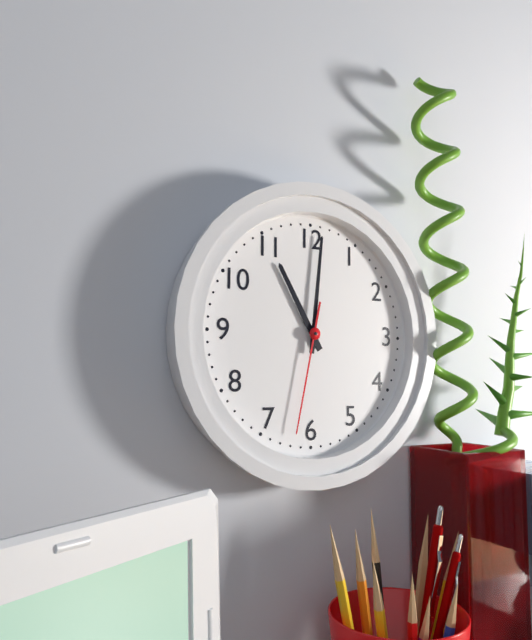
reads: 11,01,32
